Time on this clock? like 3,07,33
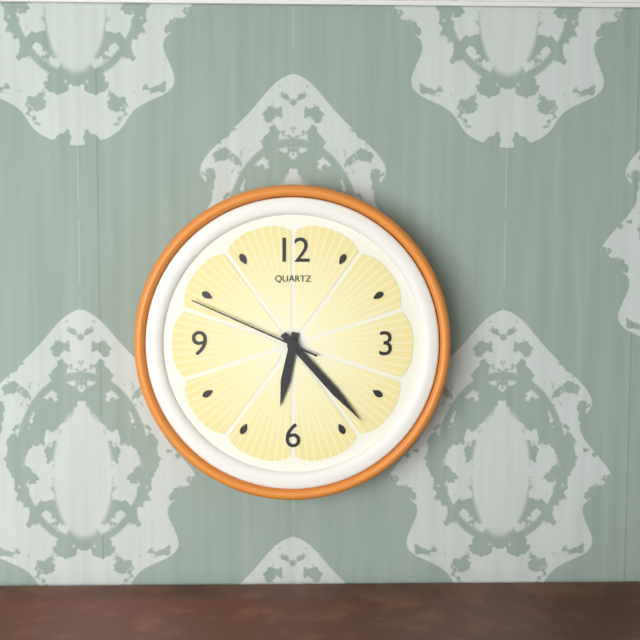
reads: 6,23,49
